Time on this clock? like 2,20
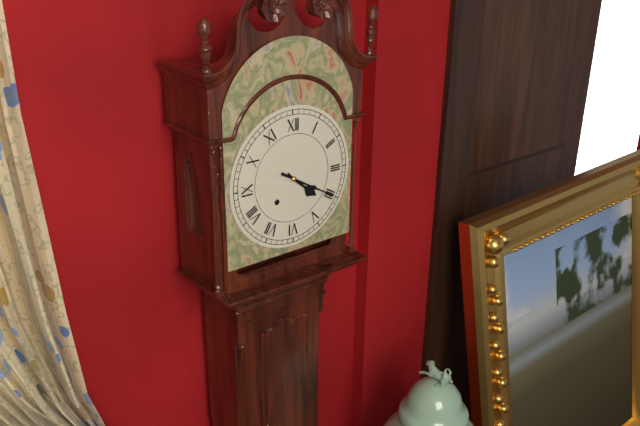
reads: 4,20
